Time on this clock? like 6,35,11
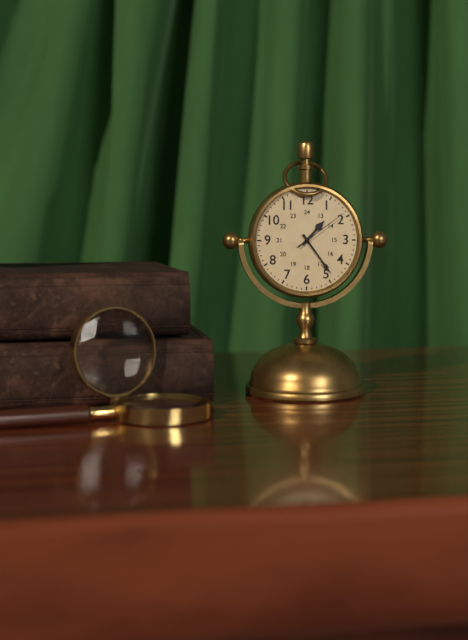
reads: 1,24,09
